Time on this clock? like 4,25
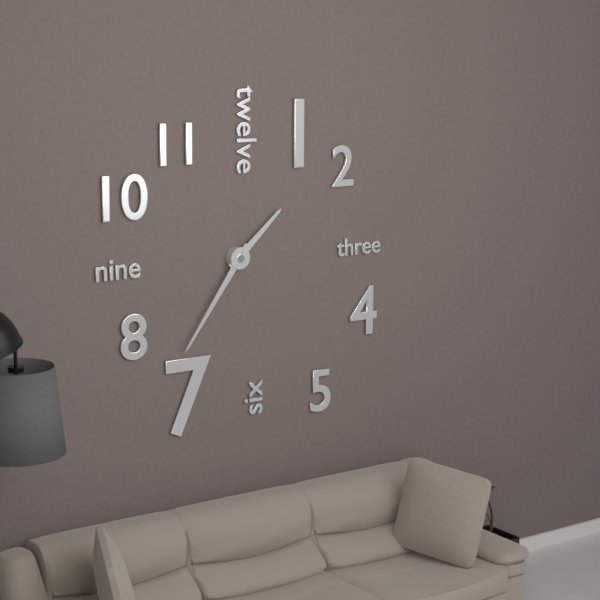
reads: 1,36
